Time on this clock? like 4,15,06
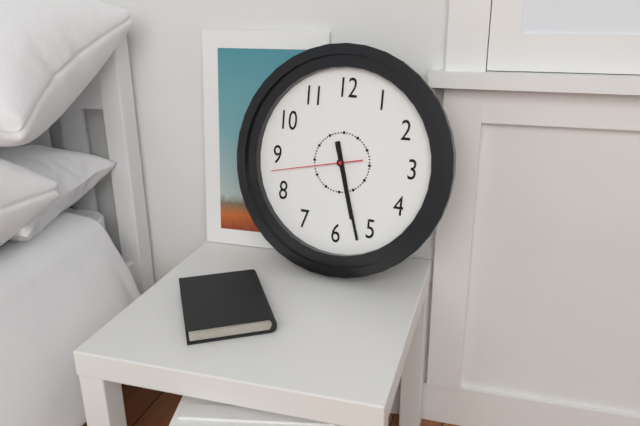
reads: 5,27,43
